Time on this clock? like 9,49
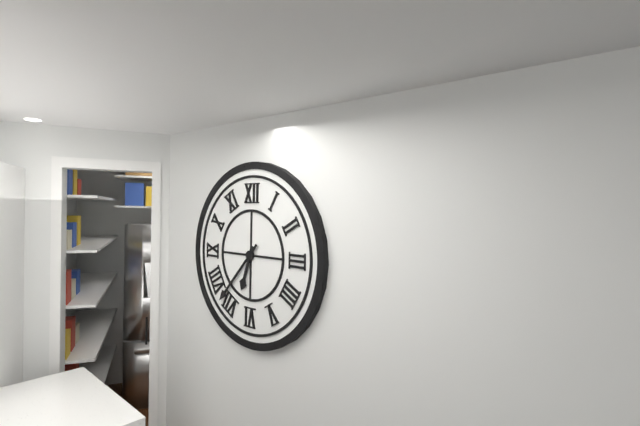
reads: 6,37
